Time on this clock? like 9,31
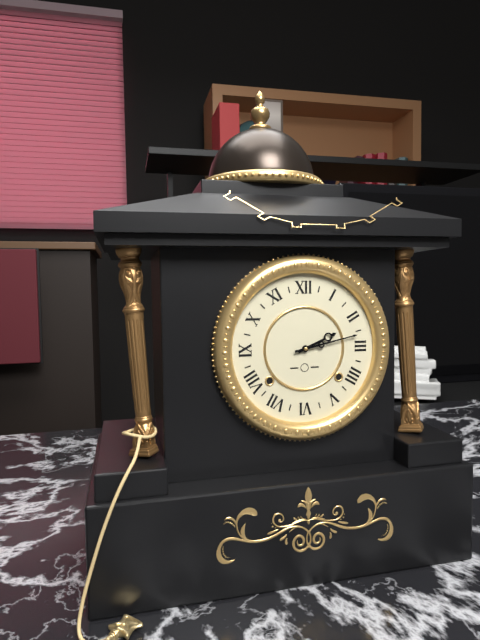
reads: 2,13
